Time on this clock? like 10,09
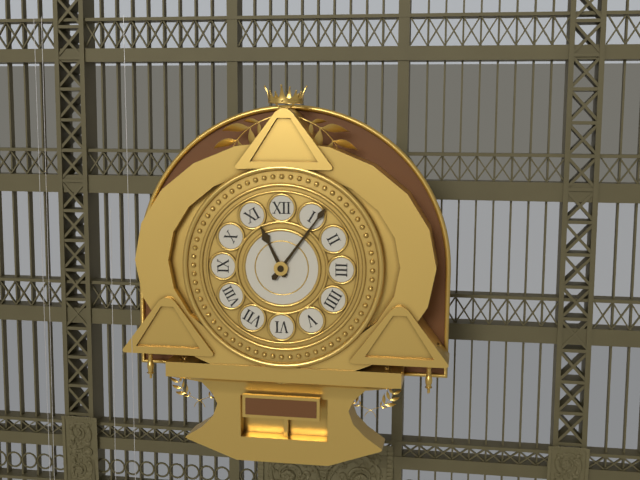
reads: 11,06
